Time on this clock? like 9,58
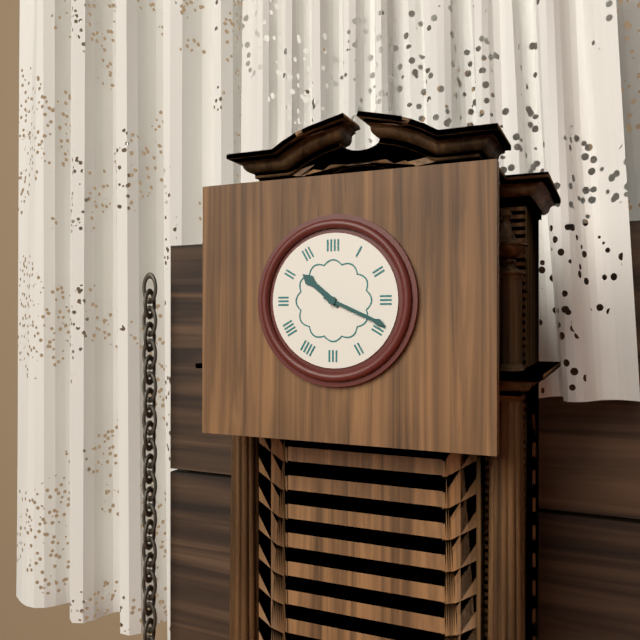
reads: 10,19
